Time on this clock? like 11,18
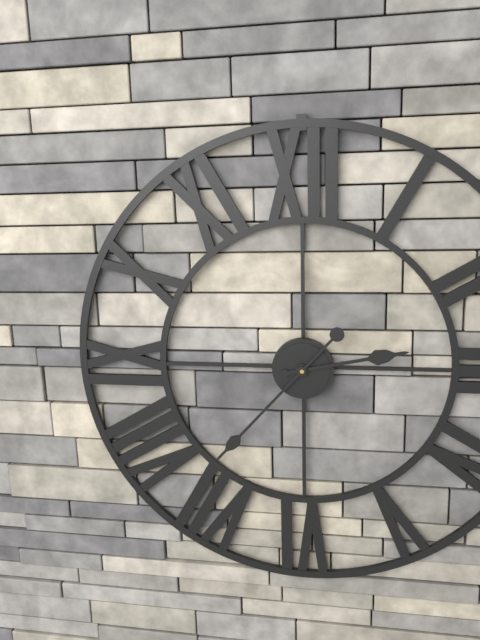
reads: 2,37
